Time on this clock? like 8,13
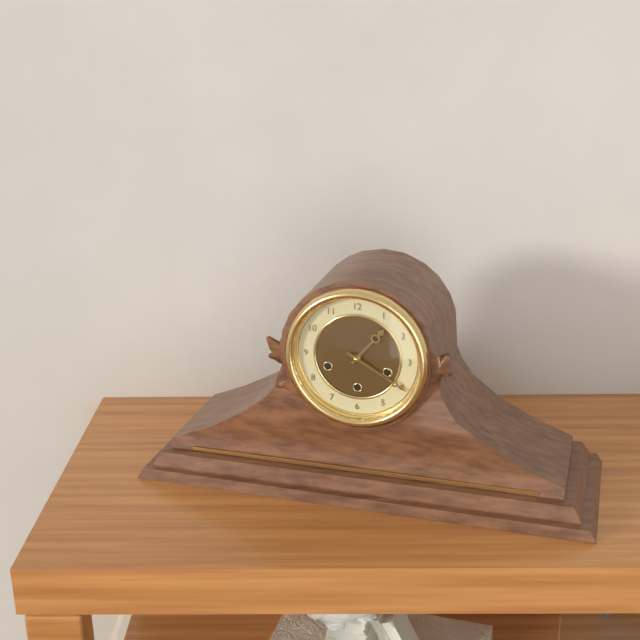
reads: 1,20
